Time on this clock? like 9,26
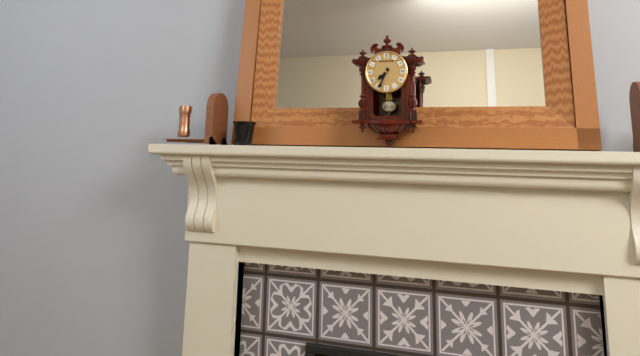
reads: 7,34
